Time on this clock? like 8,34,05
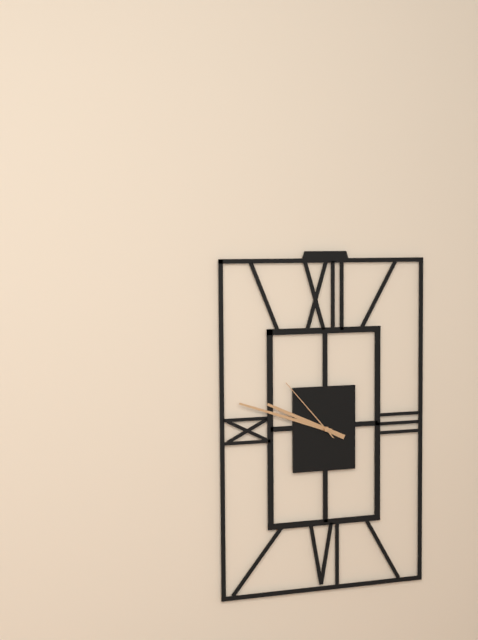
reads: 9,48,53
